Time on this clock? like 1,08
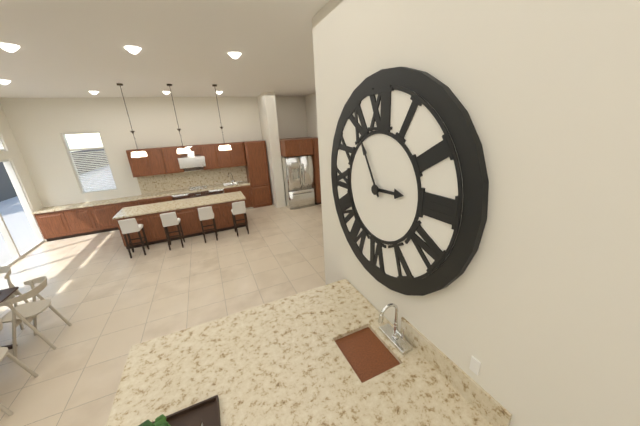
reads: 2,55
